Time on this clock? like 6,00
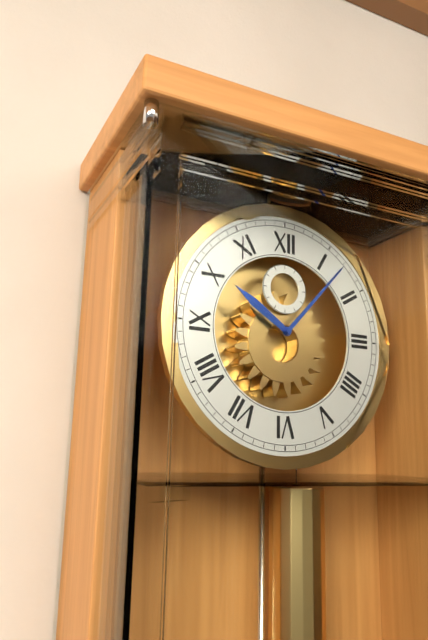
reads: 10,07
